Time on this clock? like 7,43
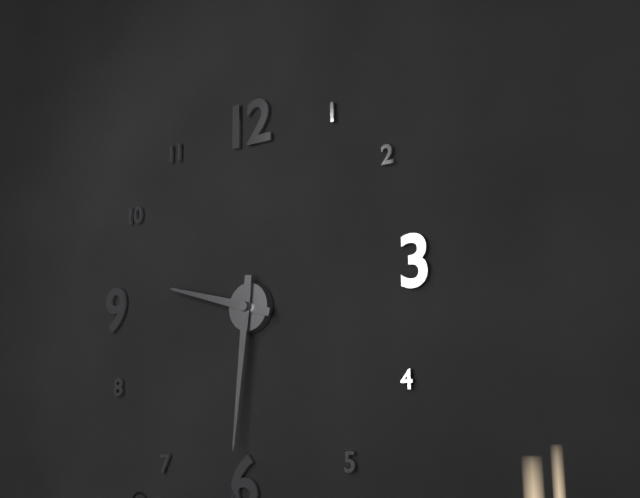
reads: 9,31
